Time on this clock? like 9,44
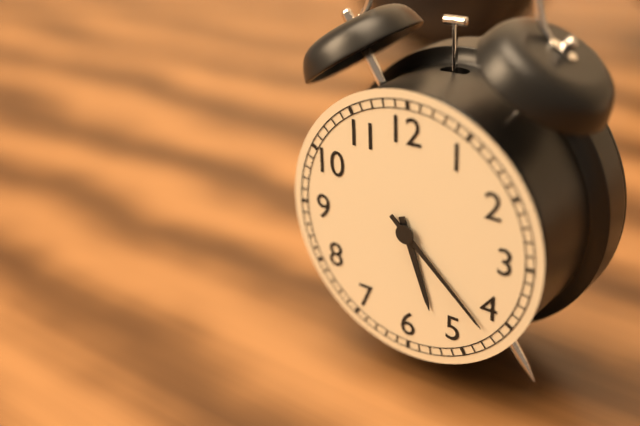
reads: 5,22
